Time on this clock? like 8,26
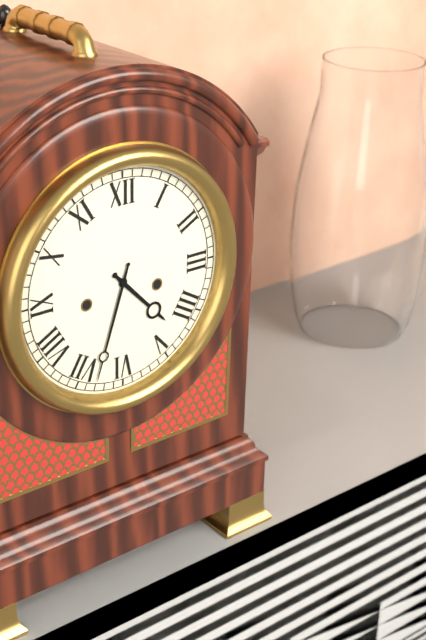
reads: 4,33
